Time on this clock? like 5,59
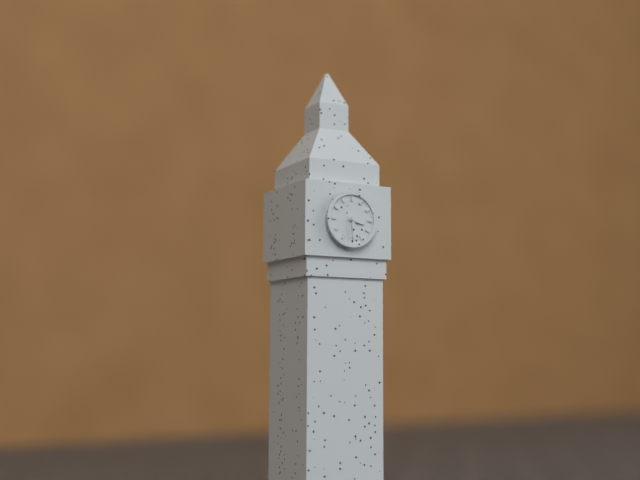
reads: 3,30
